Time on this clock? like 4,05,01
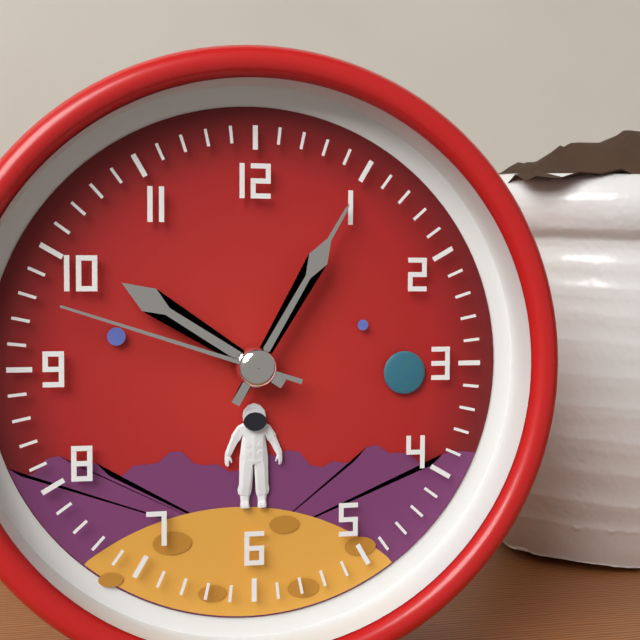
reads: 10,05,48
